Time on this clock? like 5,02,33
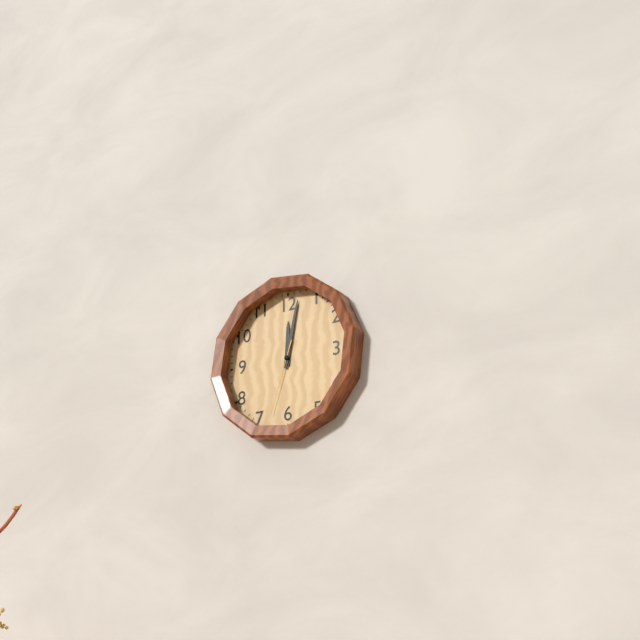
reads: 12,02,33
